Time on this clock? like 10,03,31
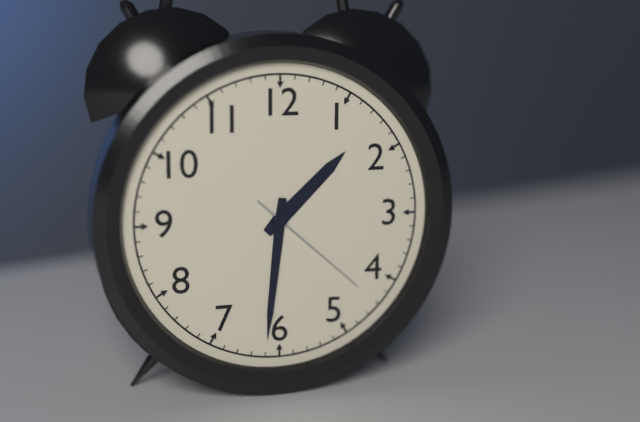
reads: 1,31,22
